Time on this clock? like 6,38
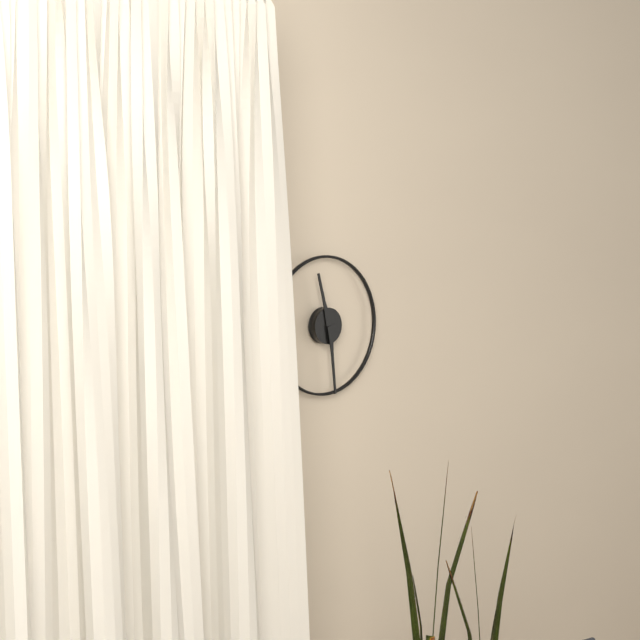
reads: 11,29
